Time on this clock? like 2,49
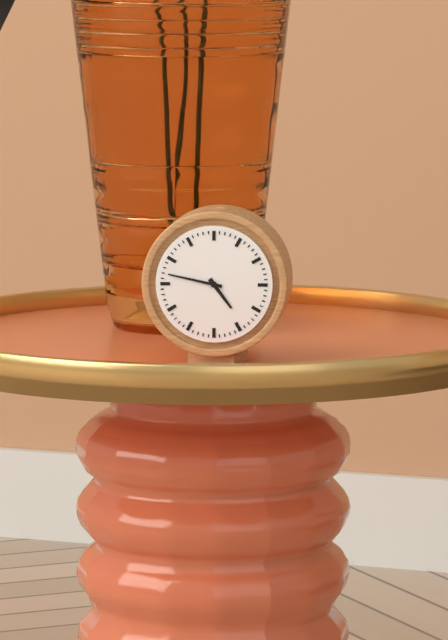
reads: 4,47
